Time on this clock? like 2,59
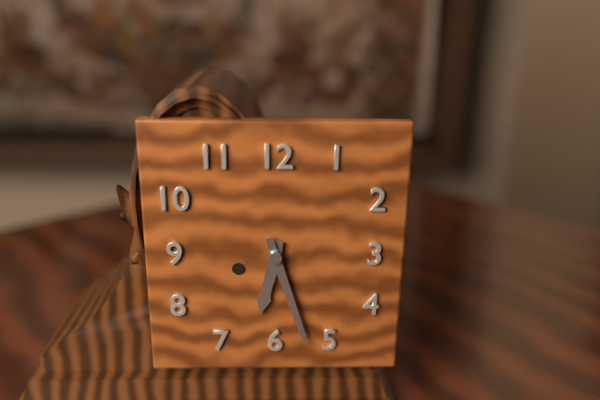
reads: 6,27
